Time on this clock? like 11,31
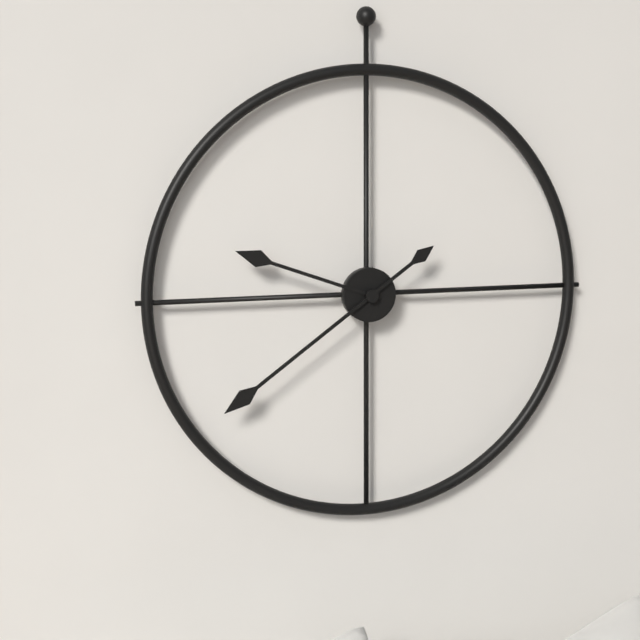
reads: 9,39
